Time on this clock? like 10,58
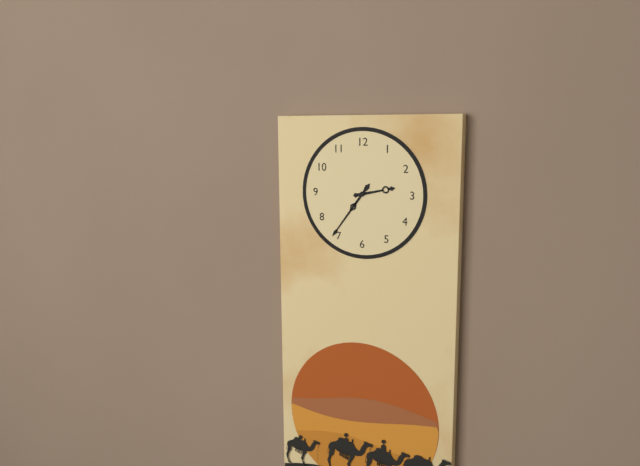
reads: 2,36
